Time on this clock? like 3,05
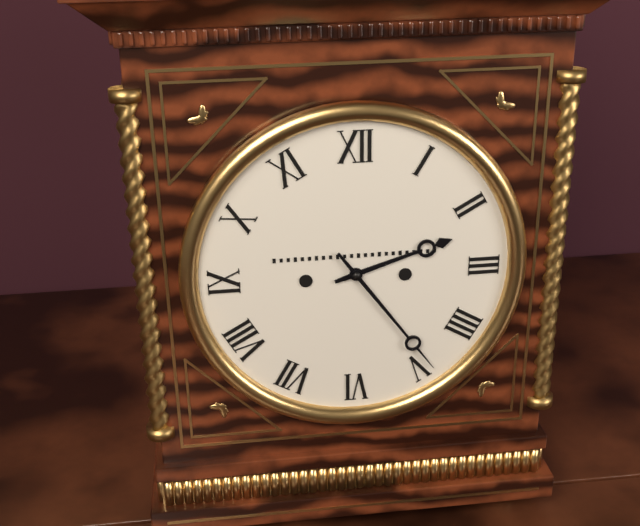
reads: 2,24
